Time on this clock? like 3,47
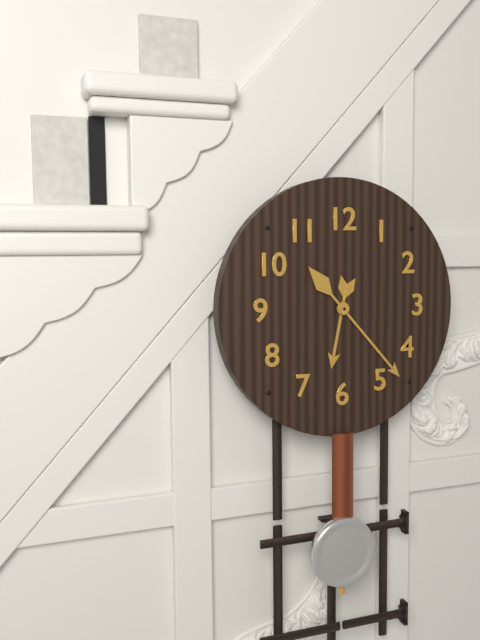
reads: 6,23
